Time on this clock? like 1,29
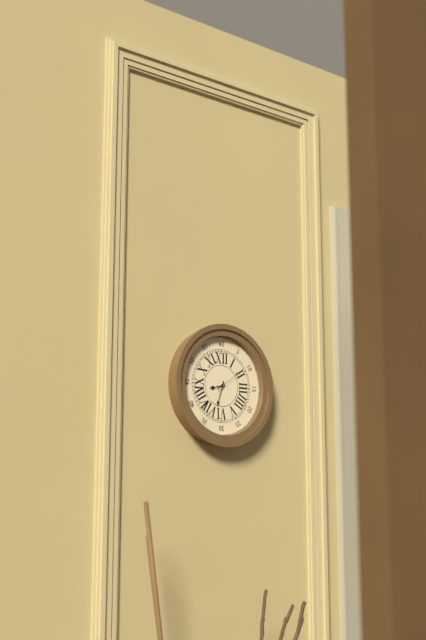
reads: 8,33
